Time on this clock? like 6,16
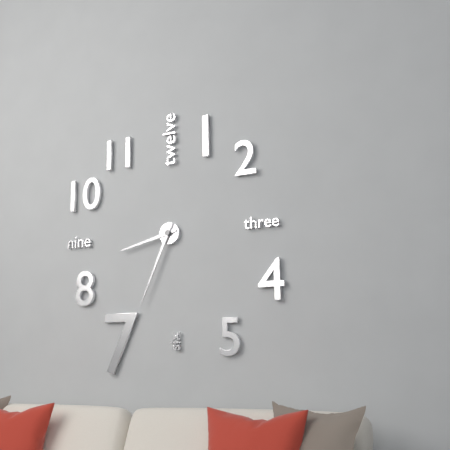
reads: 8,34
